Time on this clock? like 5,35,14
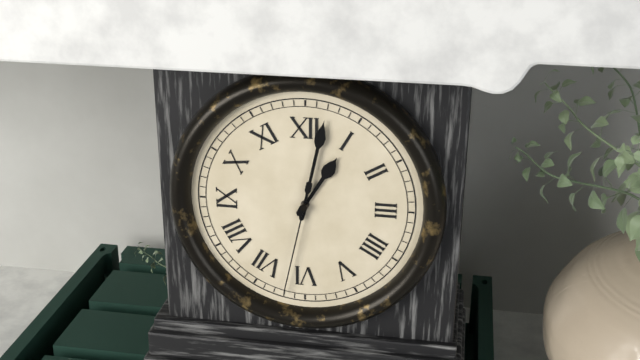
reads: 1,02,32
